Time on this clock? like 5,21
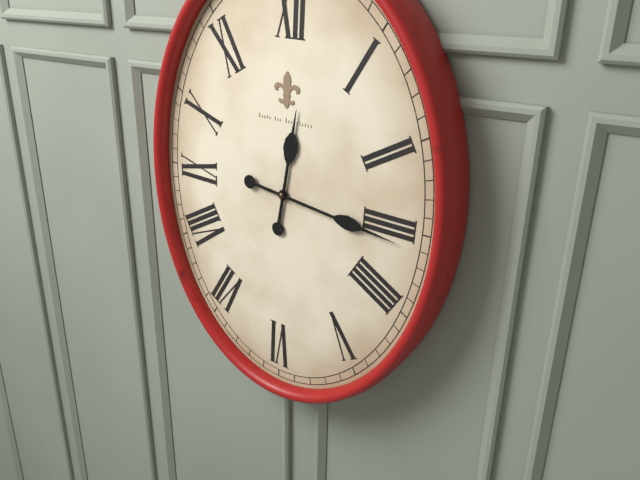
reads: 12,16
